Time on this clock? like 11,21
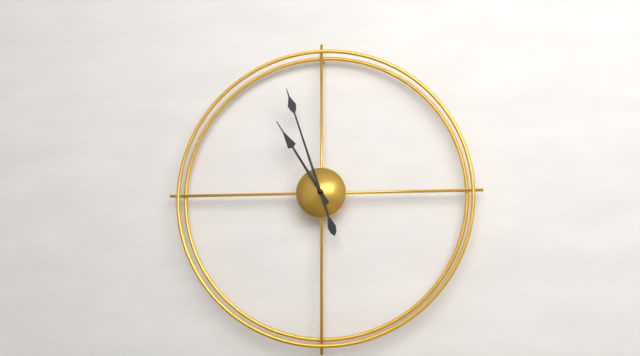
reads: 10,57
